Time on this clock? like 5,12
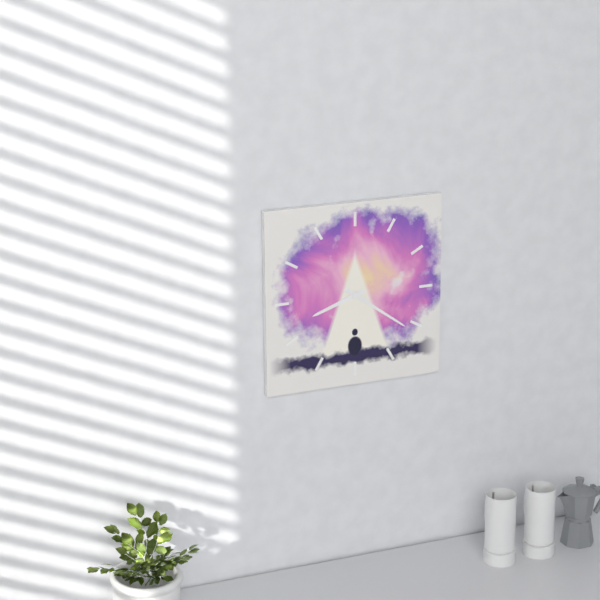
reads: 8,21
